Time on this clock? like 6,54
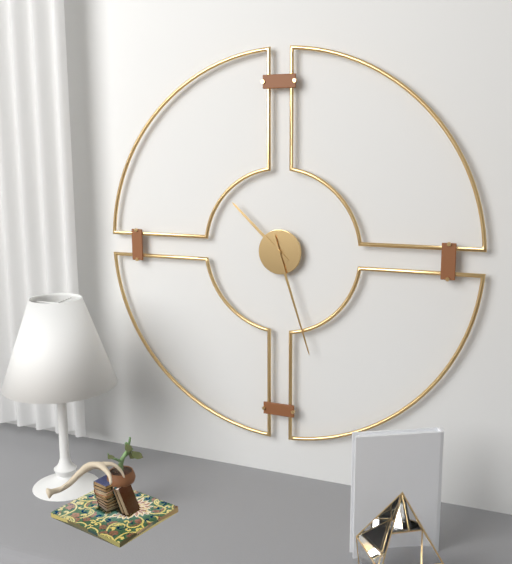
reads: 10,27
